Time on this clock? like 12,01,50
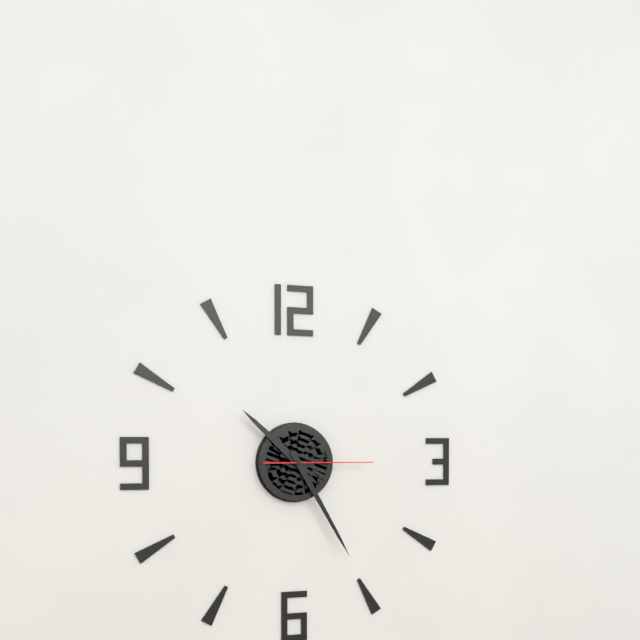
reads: 10,25,15
